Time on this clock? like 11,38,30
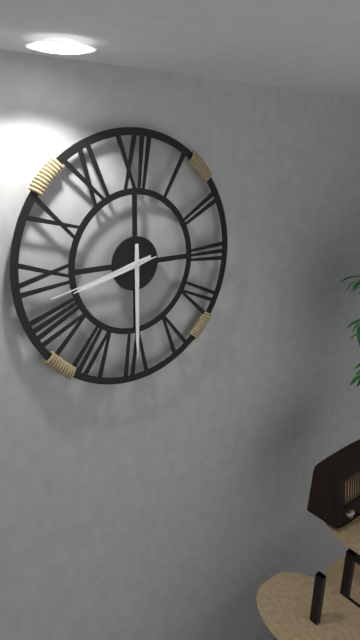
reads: 8,30,43
